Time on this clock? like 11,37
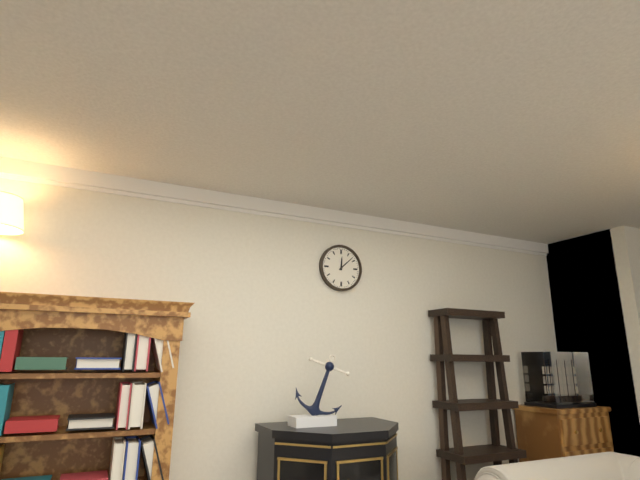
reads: 12,08
